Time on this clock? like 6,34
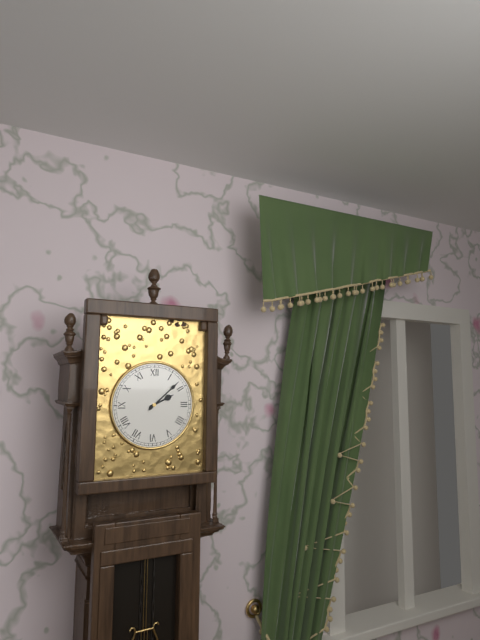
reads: 2,08
